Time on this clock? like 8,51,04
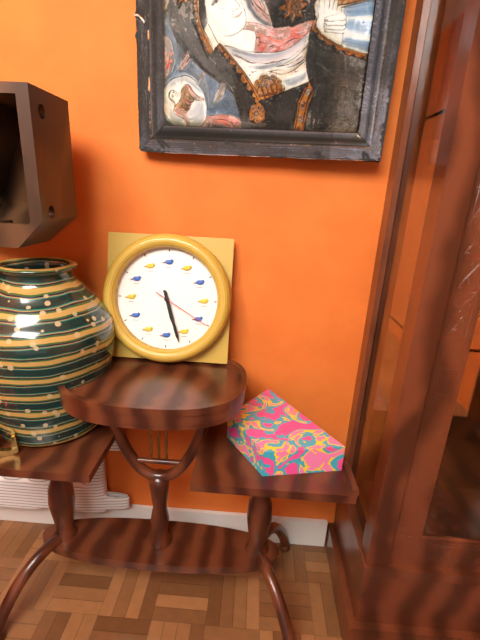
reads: 5,27,20
